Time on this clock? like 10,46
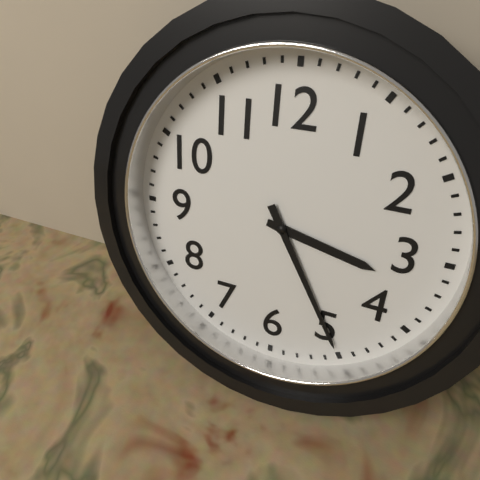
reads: 3,25
